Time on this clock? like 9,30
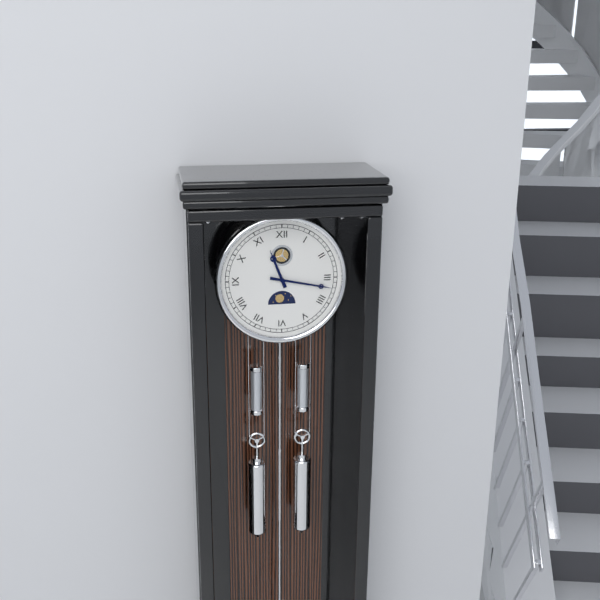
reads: 11,17
